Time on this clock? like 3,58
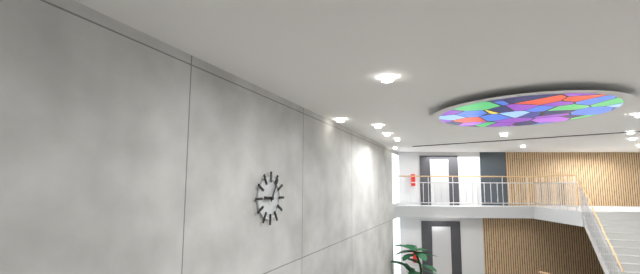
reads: 9,05
